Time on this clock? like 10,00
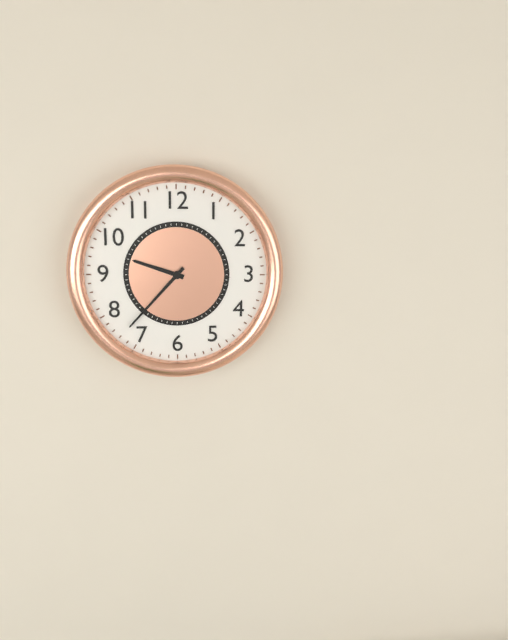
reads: 9,37
